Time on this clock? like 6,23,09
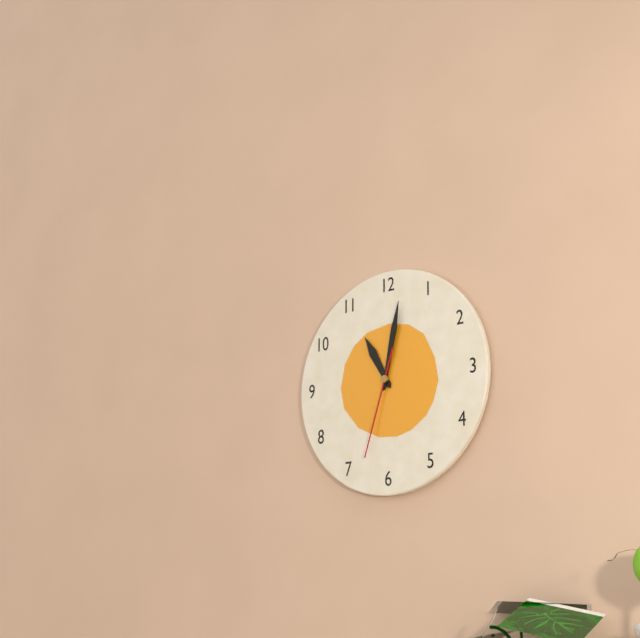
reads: 11,02,33
